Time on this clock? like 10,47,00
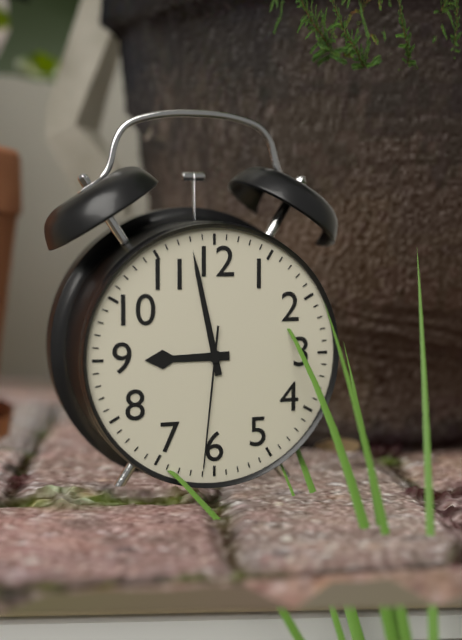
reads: 8,58,31
